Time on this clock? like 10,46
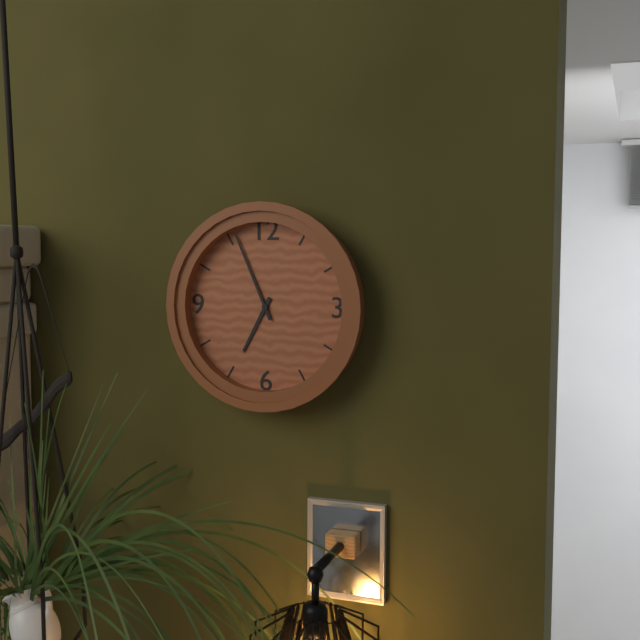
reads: 6,56
